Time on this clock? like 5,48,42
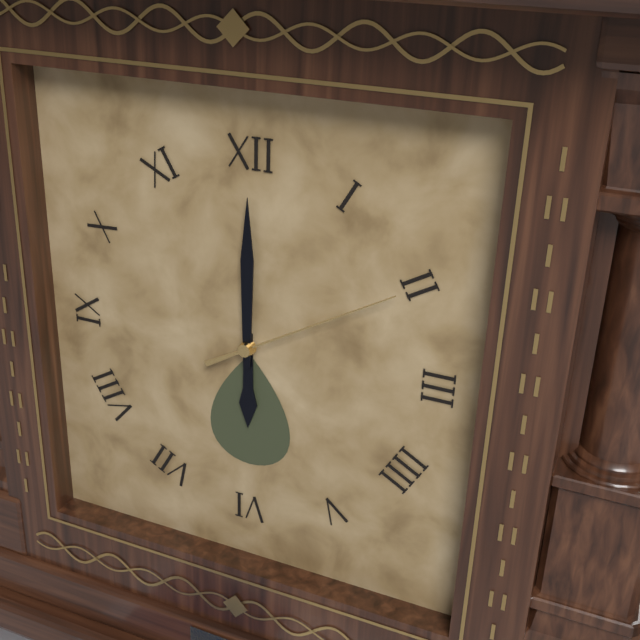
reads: 6,00,10
